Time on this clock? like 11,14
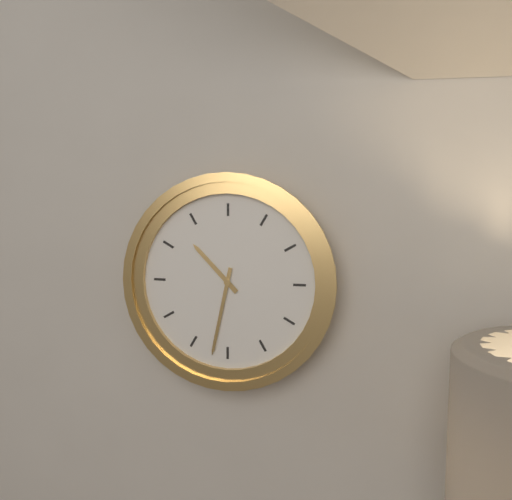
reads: 10,32
